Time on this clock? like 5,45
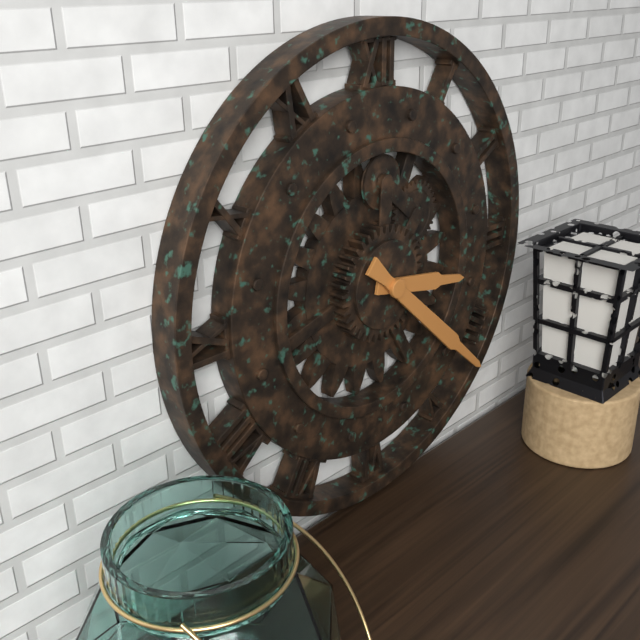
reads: 3,22
